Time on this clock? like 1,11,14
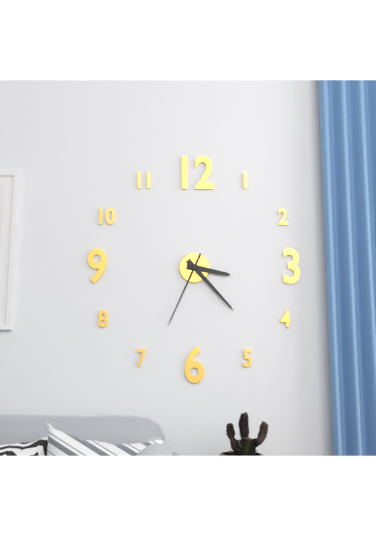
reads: 3,23,34
